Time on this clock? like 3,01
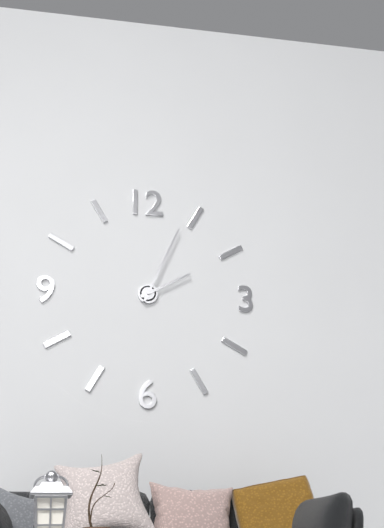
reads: 2,04
